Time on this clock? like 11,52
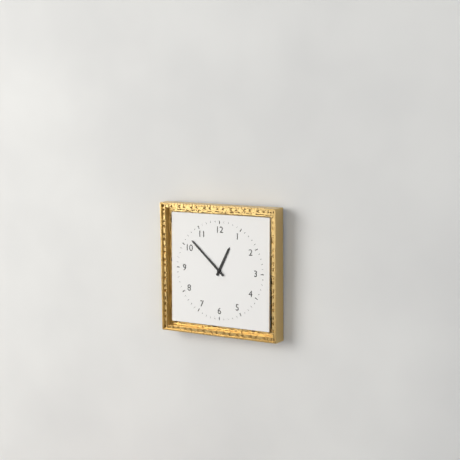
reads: 12,52
